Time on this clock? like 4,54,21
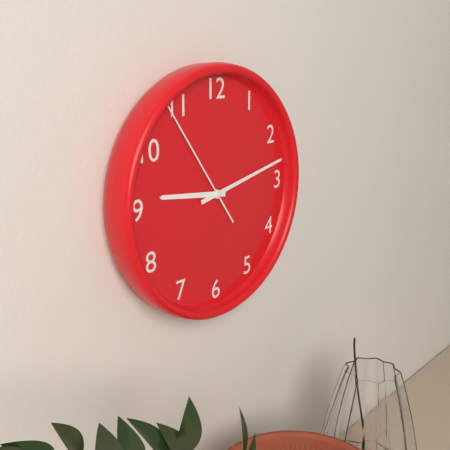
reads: 9,13,54
